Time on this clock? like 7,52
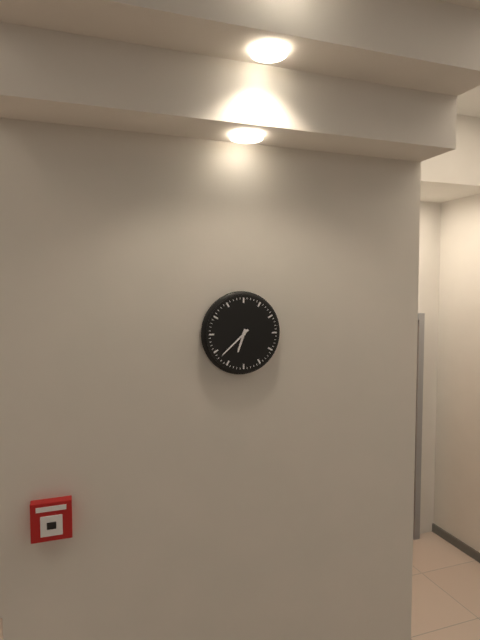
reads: 6,38
